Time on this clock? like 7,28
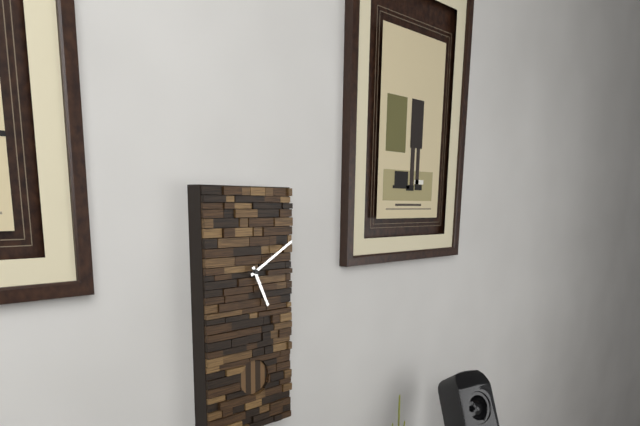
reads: 5,10
